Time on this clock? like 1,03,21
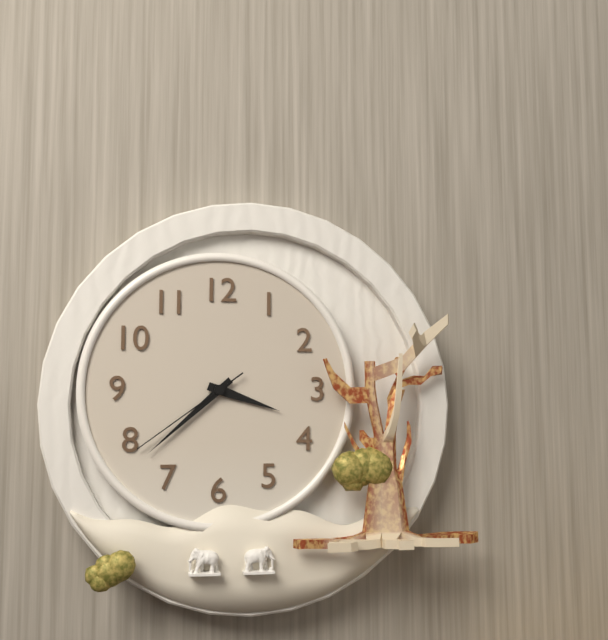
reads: 3,38,39
